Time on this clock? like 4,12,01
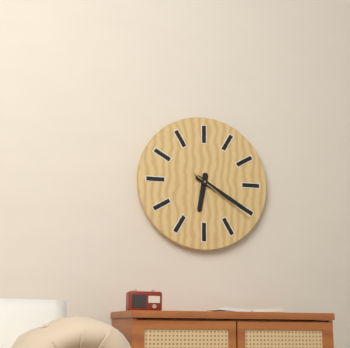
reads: 6,20,21
